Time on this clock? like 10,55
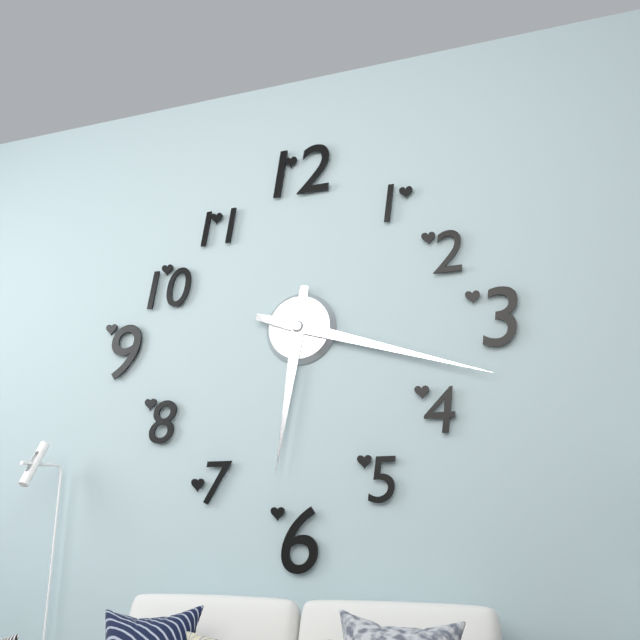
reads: 6,18
